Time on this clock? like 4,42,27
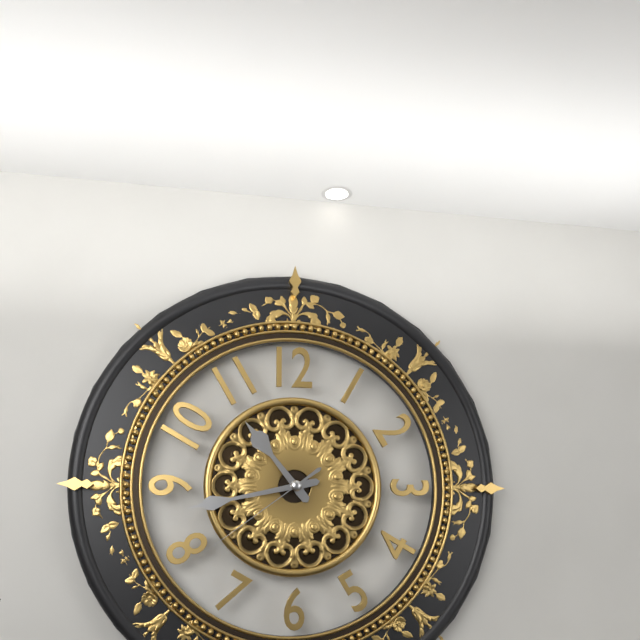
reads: 10,43,39
